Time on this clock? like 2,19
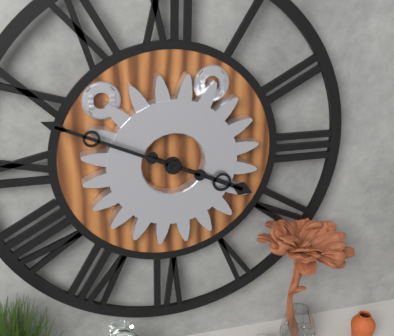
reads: 3,49
